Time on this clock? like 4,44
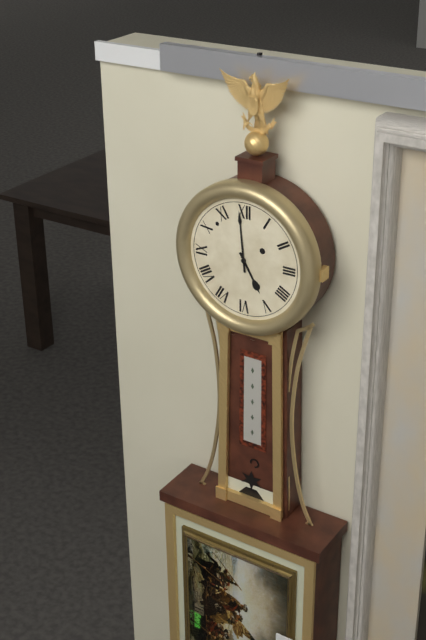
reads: 4,59
